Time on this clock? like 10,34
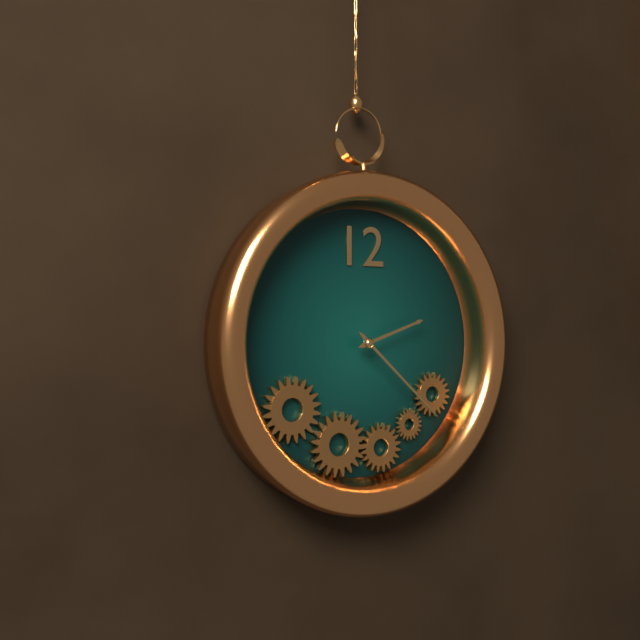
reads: 2,22
